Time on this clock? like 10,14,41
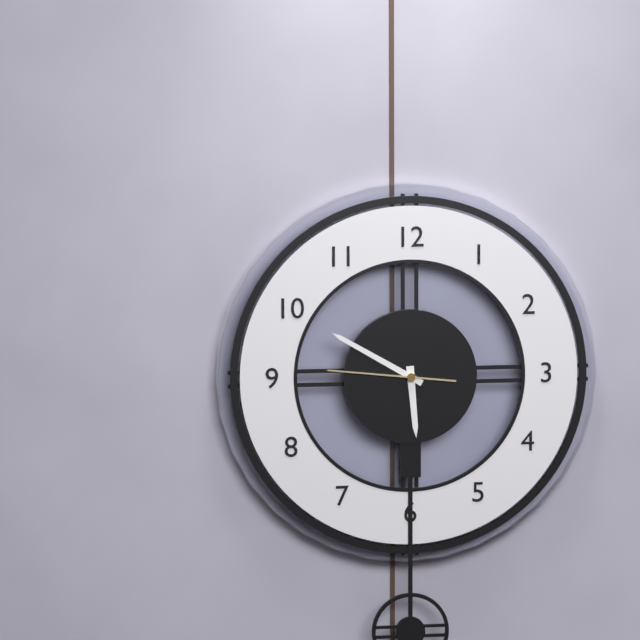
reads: 5,50,46
